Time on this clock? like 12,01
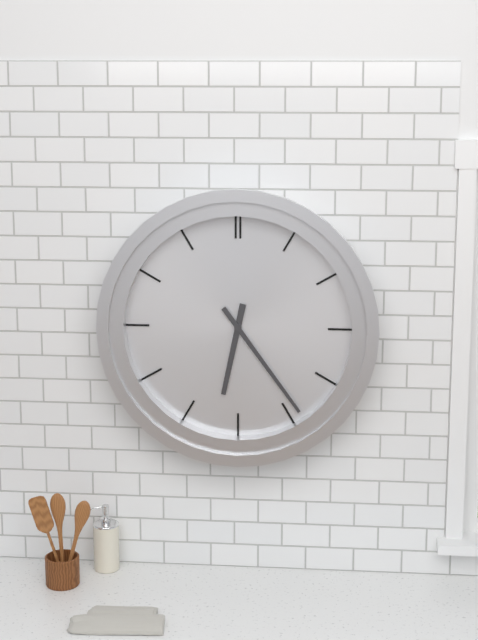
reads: 6,24
